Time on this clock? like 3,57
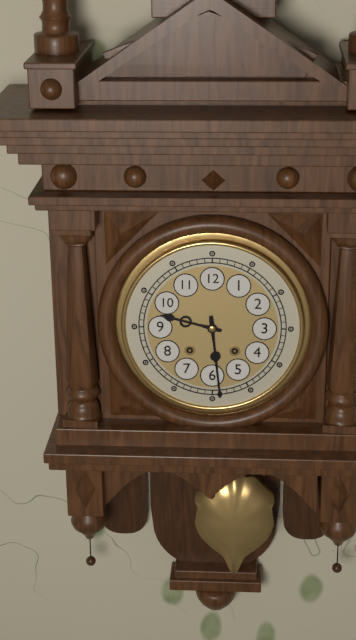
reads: 9,29
